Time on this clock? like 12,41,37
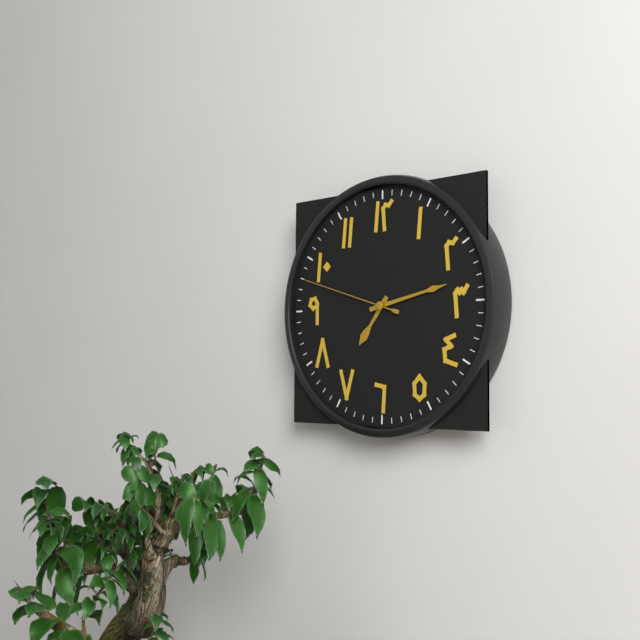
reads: 7,13,48
